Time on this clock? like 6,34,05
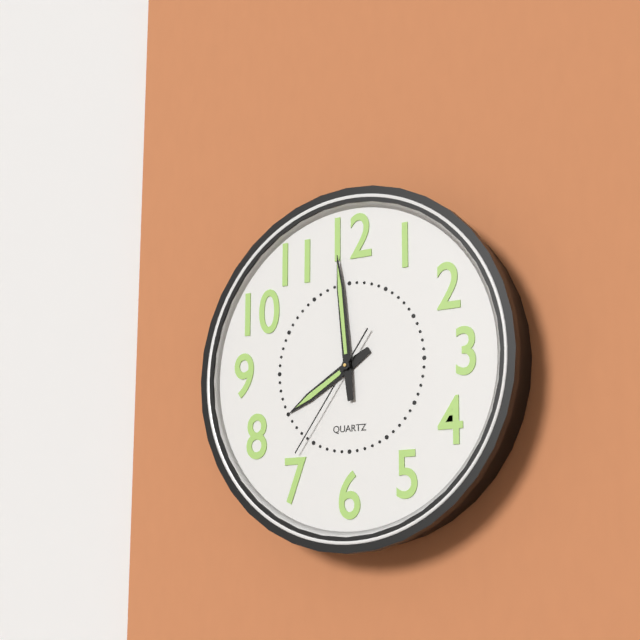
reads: 7,59,36
